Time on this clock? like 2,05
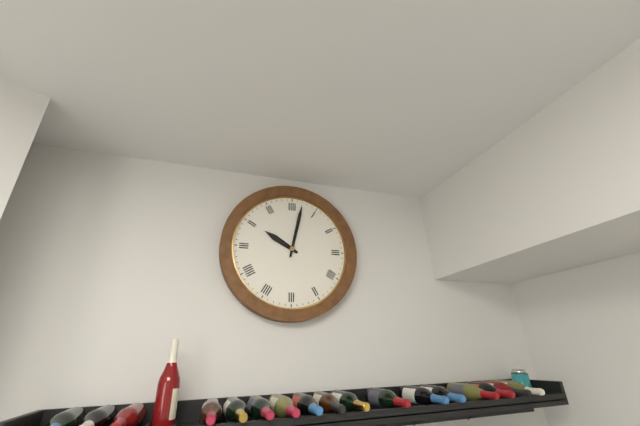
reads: 10,02
